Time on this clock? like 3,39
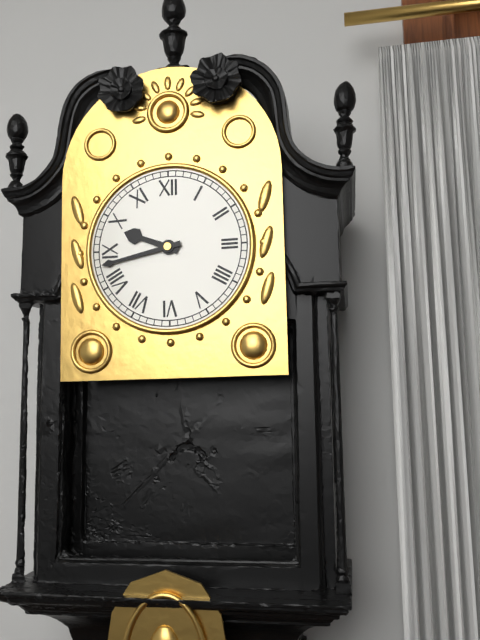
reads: 9,43
